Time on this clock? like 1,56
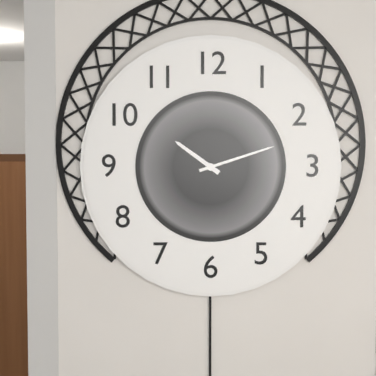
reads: 10,12
